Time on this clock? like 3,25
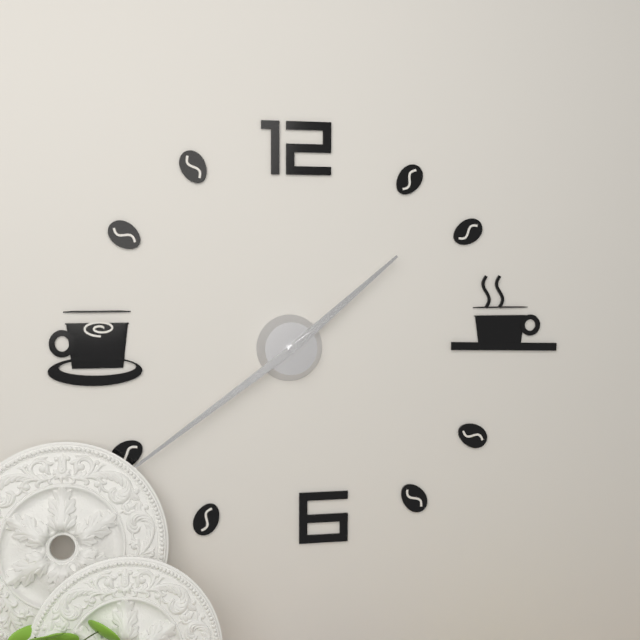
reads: 1,39
